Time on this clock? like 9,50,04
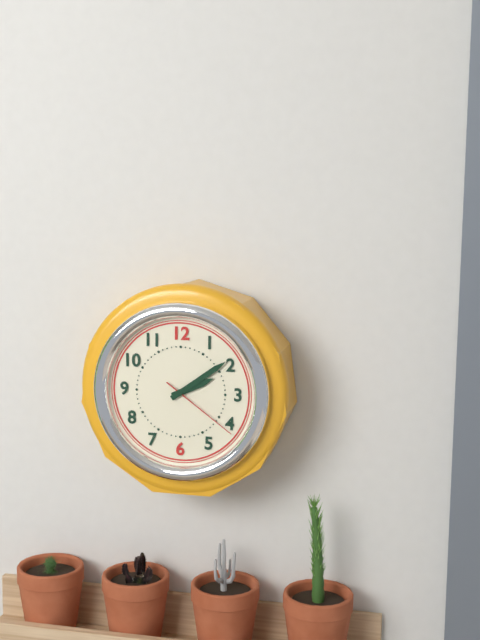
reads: 2,09,21
